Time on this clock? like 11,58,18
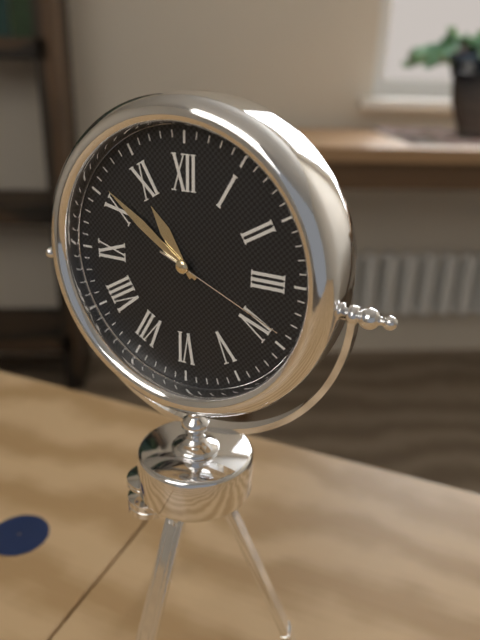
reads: 10,51,19
